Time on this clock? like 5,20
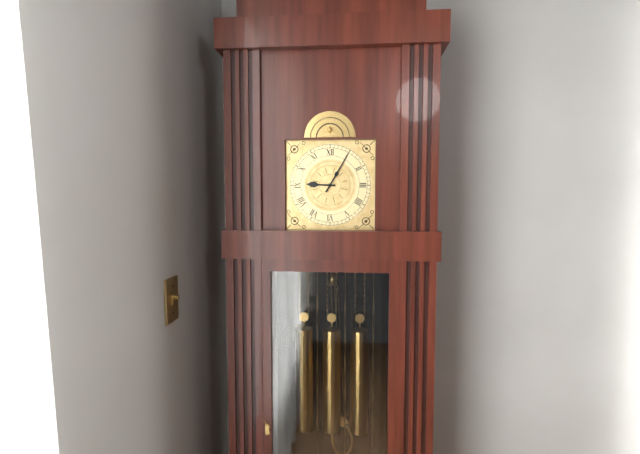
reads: 9,05
